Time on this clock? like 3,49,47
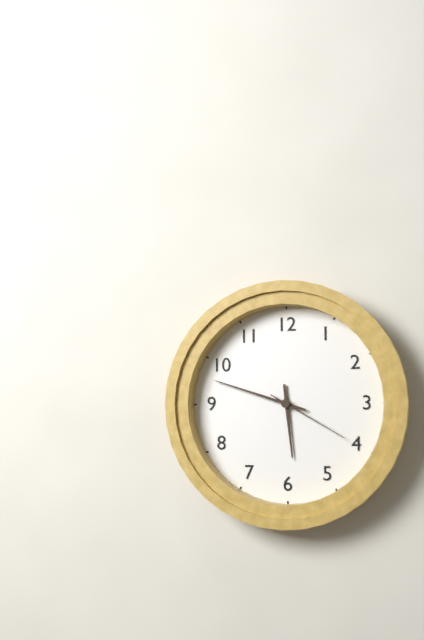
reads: 5,48,20
